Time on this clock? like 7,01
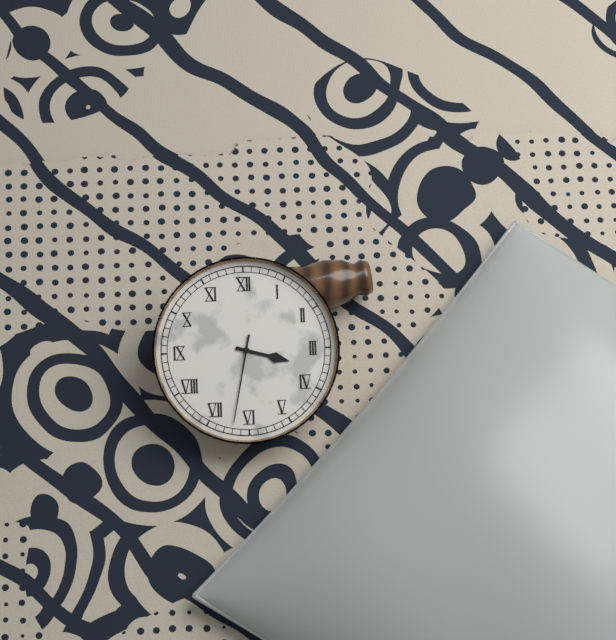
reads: 3,32
